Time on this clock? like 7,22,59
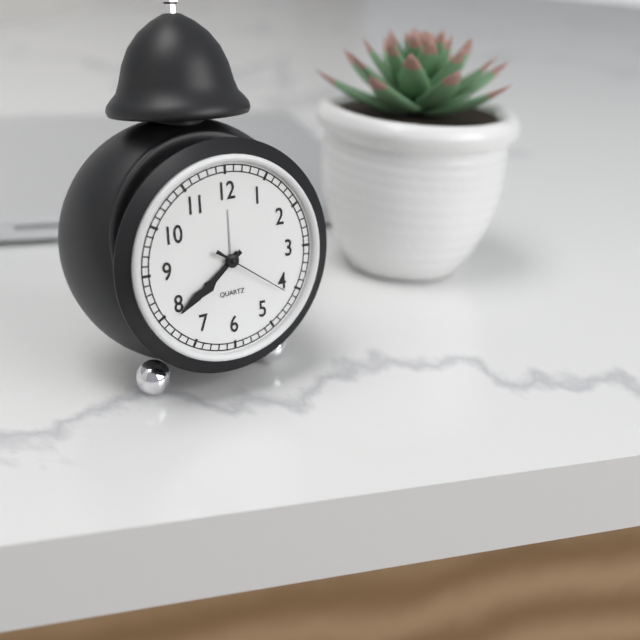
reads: 7,39,21
